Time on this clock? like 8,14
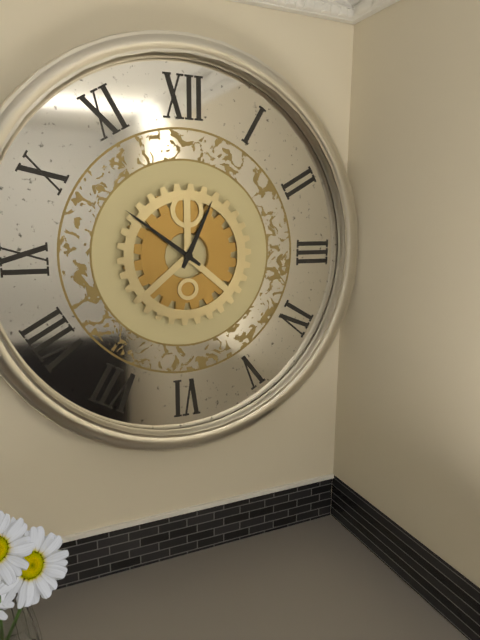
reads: 12,51
